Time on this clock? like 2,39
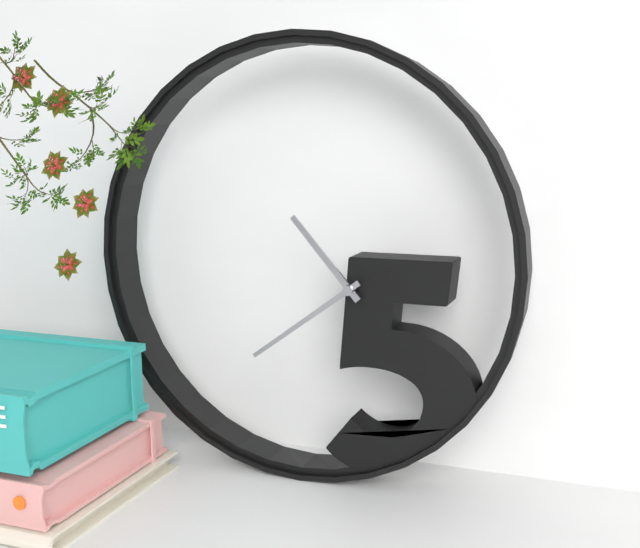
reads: 10,39
